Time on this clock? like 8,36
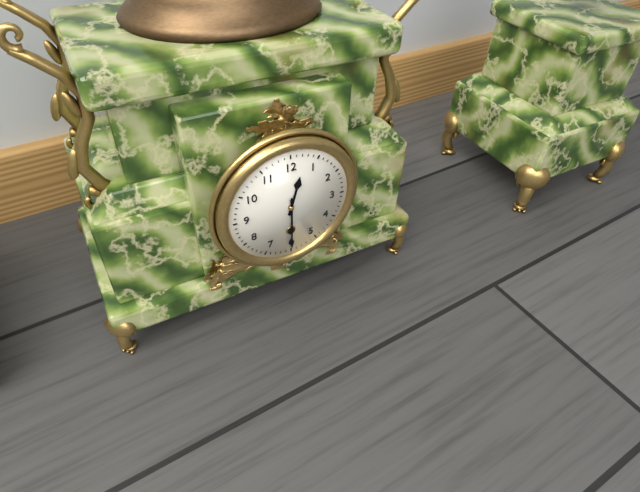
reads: 12,30
